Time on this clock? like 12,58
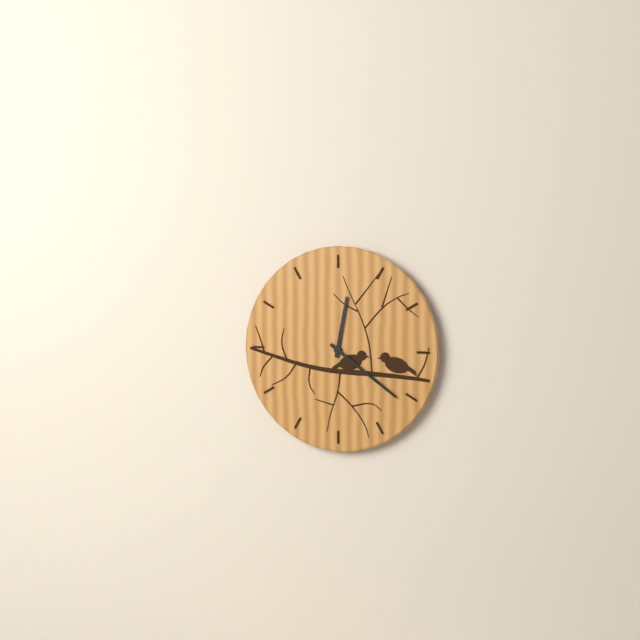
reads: 12,21
